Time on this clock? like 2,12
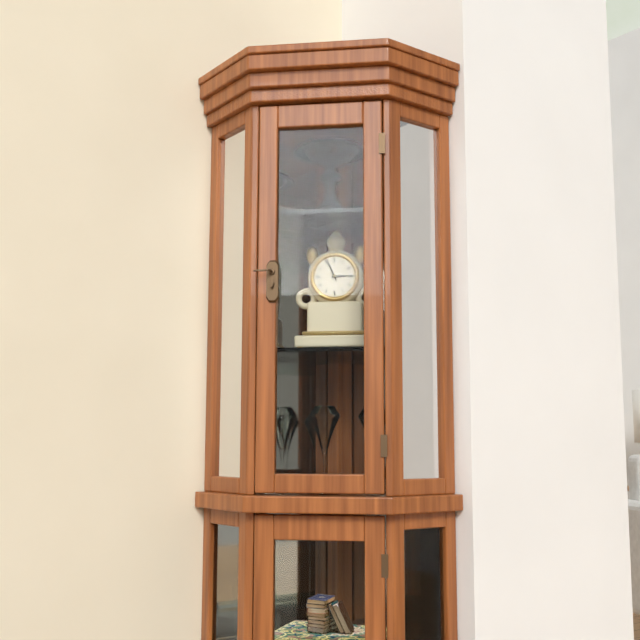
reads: 2,56
